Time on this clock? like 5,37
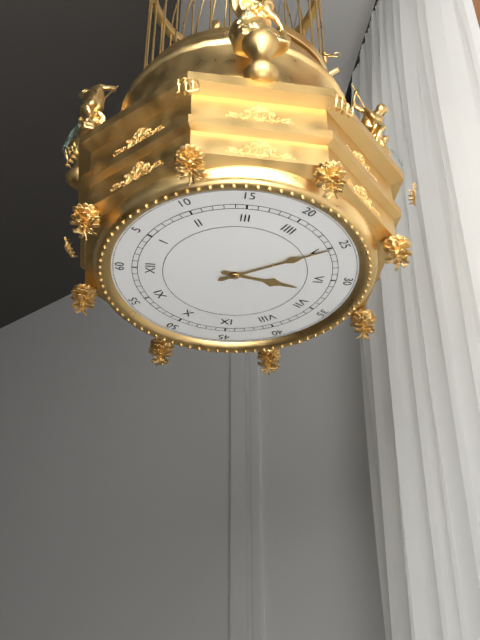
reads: 6,25
